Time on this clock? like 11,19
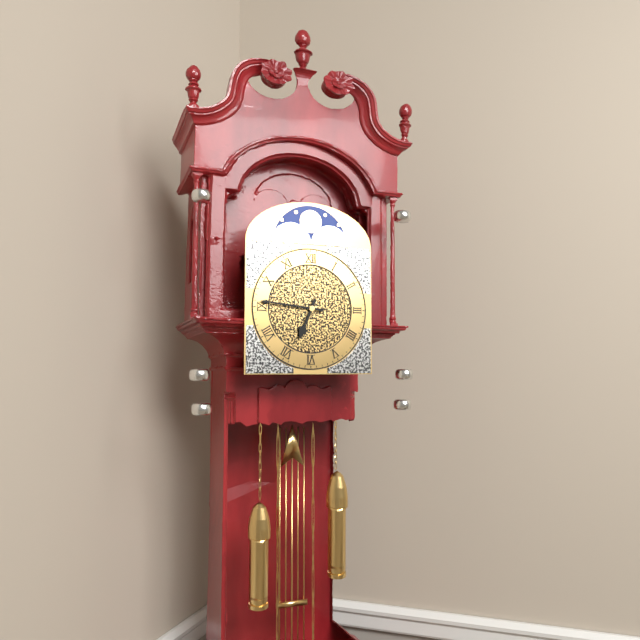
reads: 6,46
